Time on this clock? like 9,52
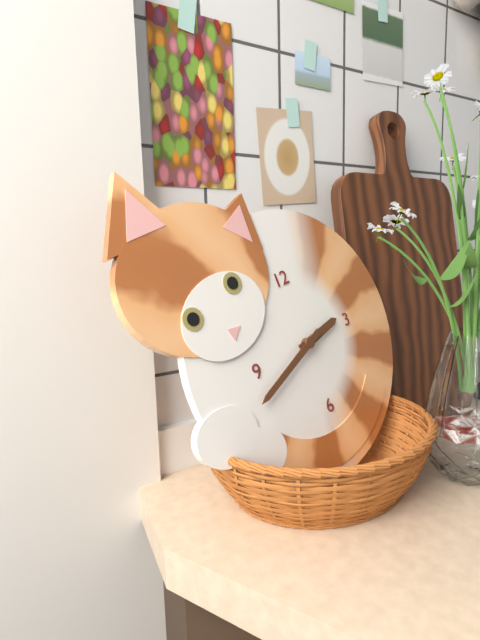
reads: 2,42
